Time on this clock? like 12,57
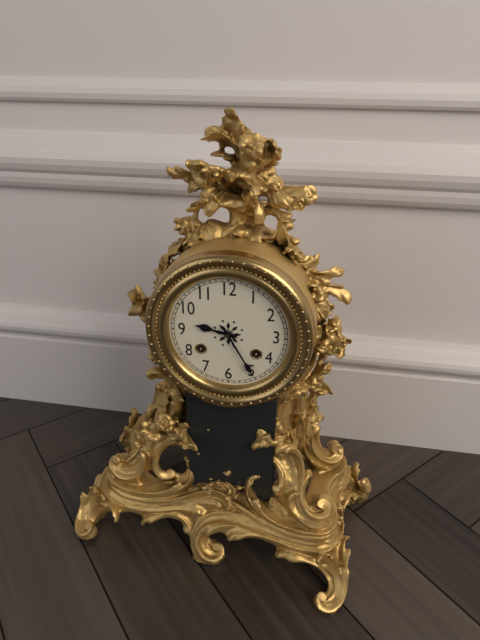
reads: 9,25
